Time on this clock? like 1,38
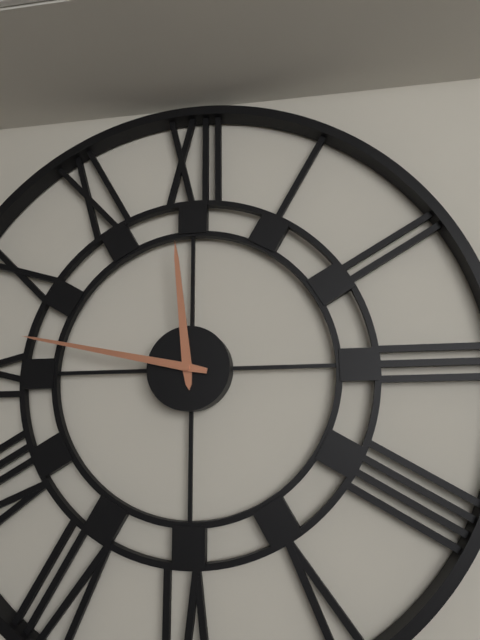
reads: 11,47
